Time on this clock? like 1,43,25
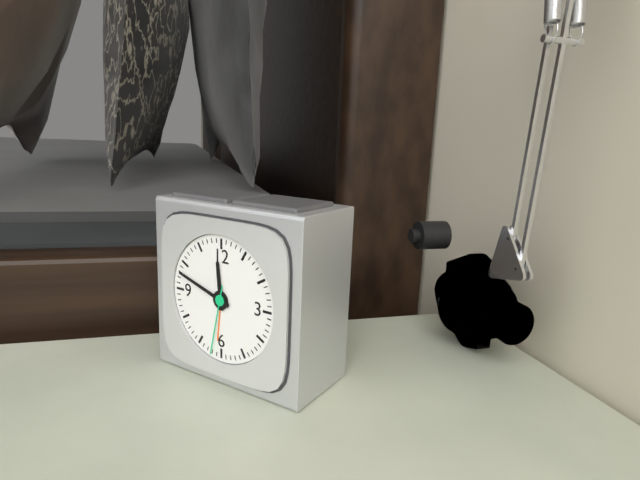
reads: 11,48,32
